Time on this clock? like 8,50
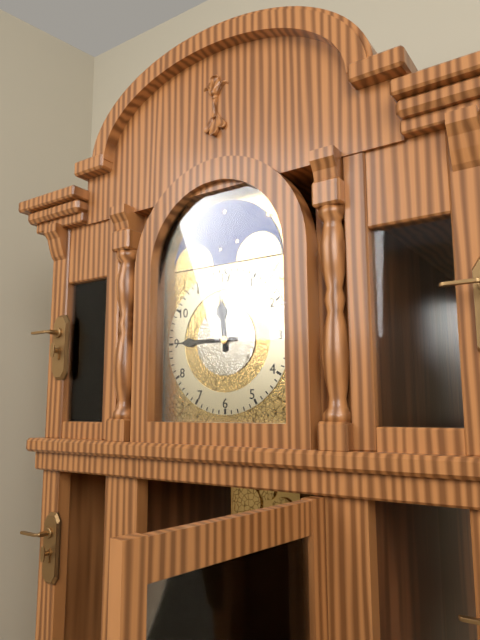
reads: 11,45
